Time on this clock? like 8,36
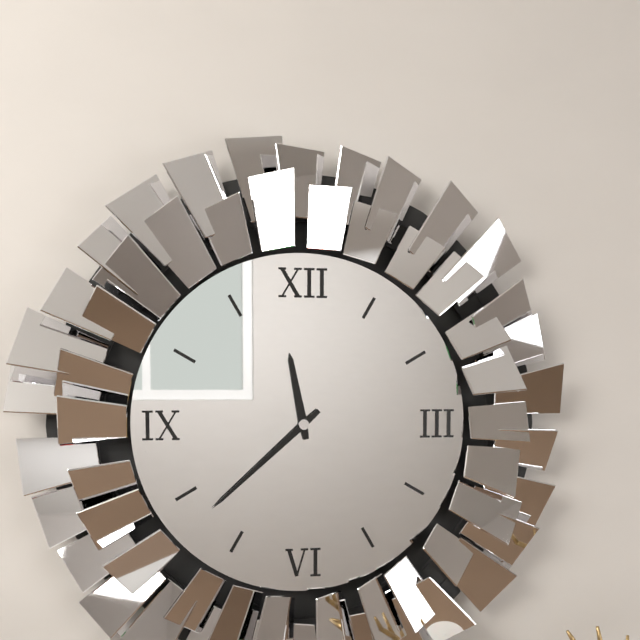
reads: 11,38
